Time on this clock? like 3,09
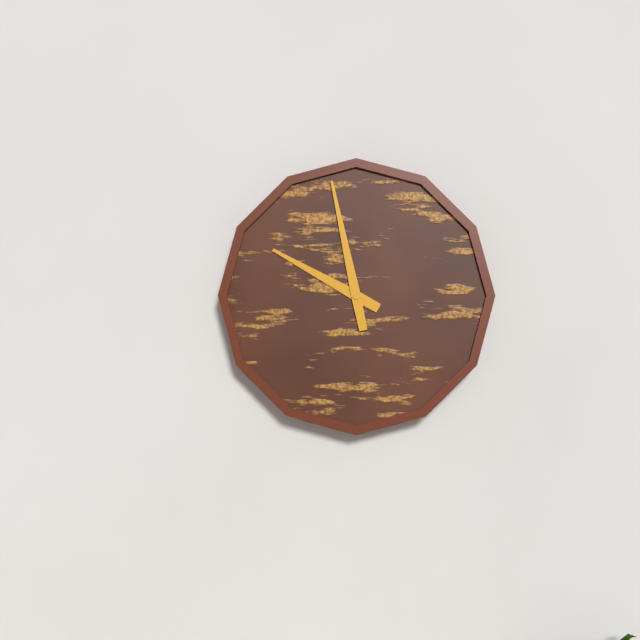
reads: 9,58
